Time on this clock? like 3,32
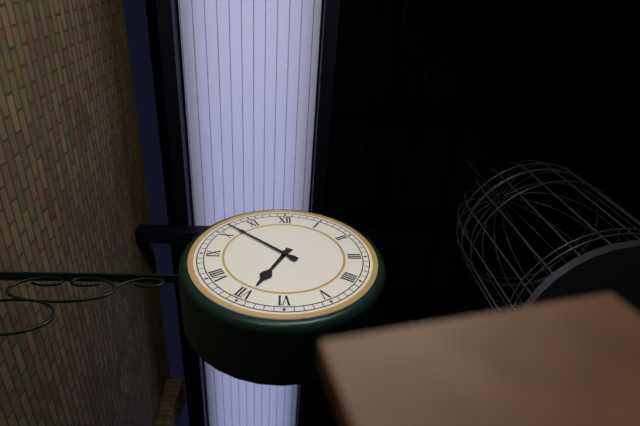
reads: 6,52
